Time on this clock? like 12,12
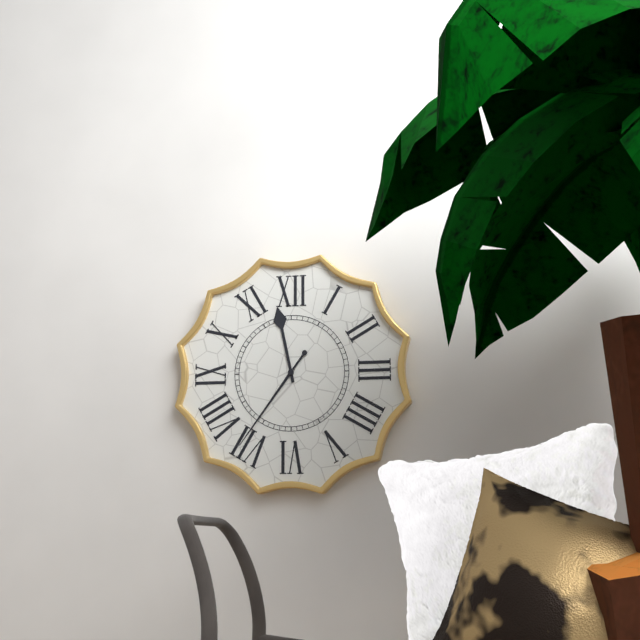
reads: 11,36
